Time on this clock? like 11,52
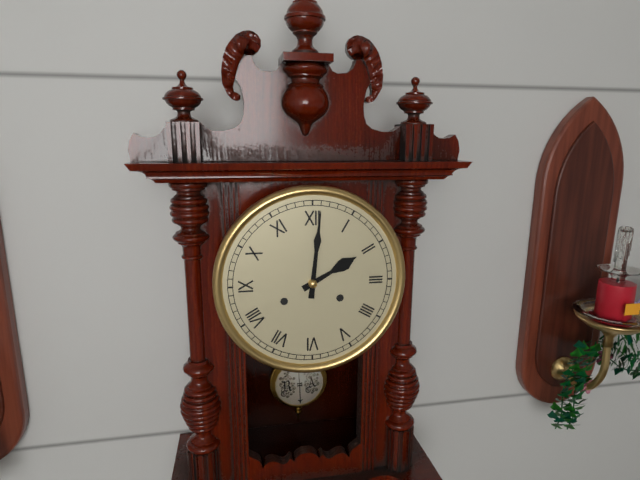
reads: 2,01
